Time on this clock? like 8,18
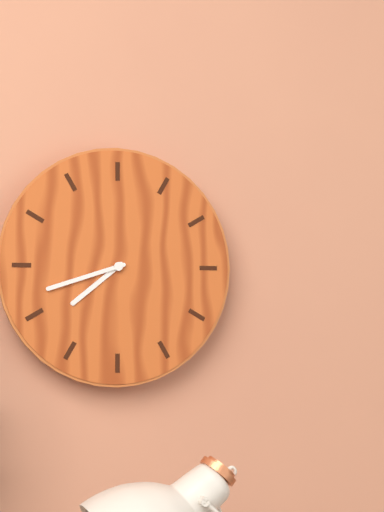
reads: 7,42
